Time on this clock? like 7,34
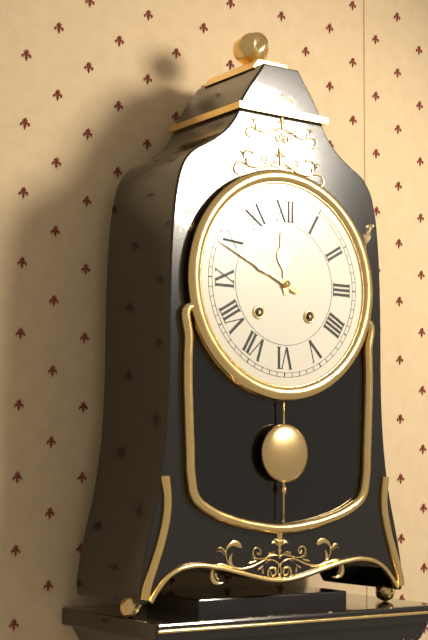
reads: 11,49
